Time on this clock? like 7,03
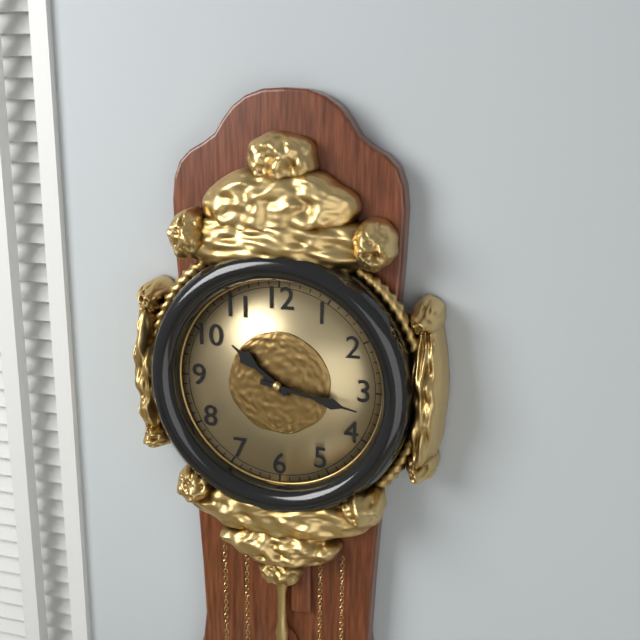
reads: 10,17
